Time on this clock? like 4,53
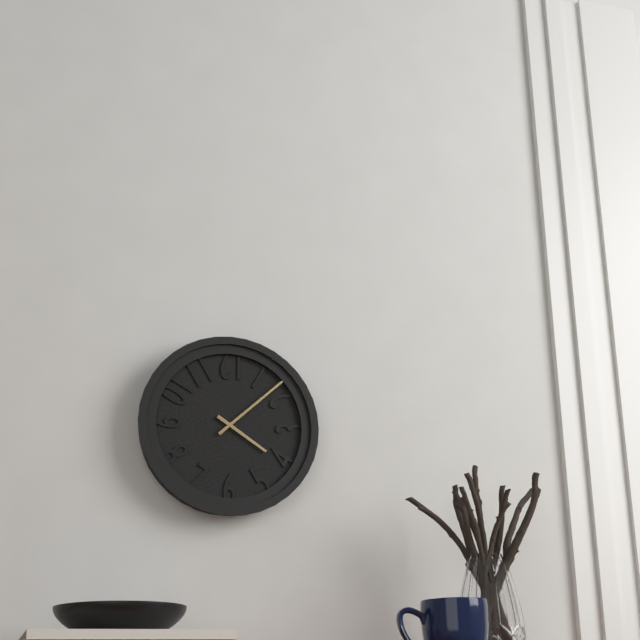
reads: 4,08
